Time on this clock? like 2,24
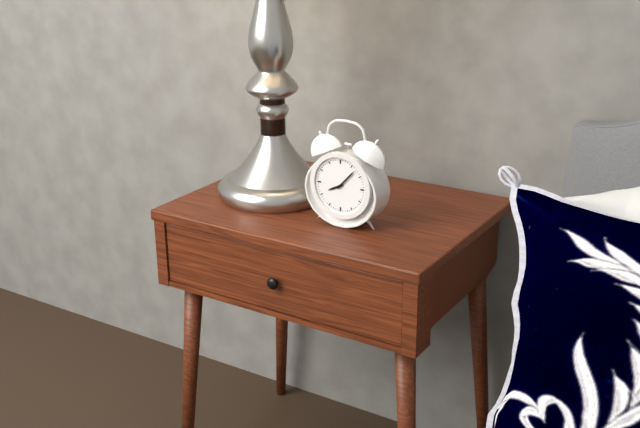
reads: 8,07
